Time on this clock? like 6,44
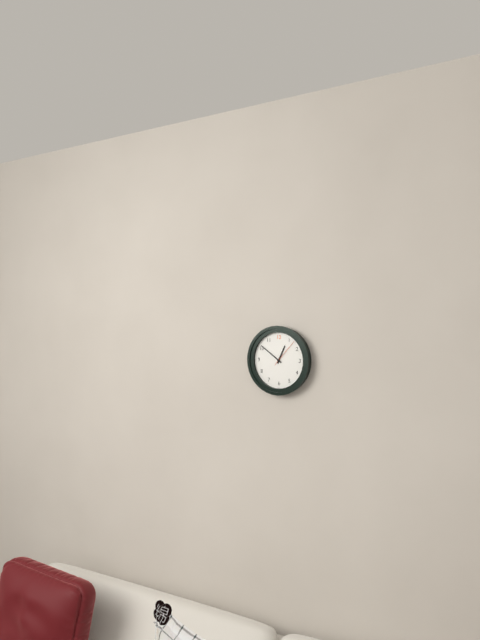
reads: 12,51
